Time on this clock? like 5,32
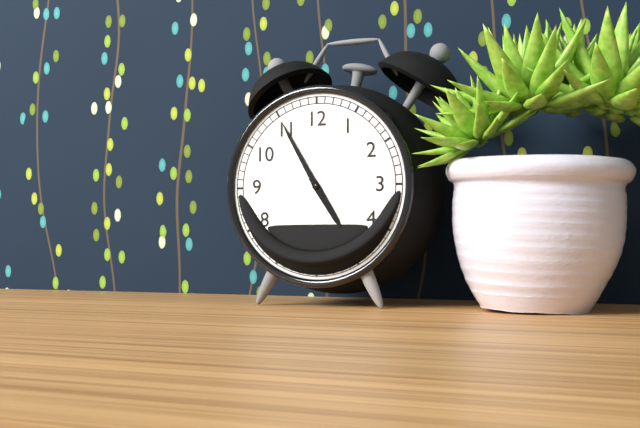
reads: 4,55
